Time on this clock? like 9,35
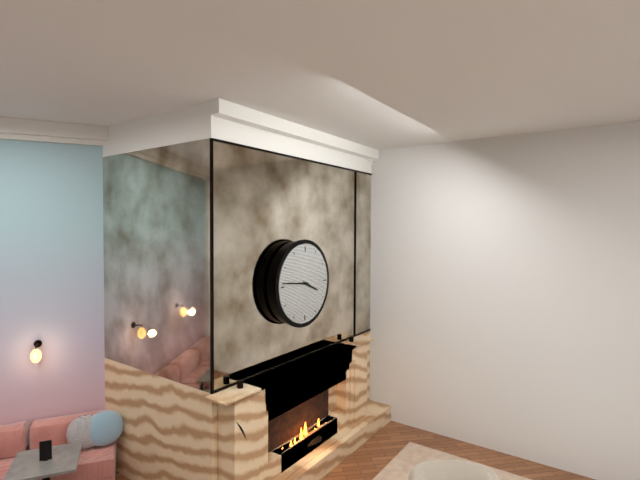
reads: 3,46
